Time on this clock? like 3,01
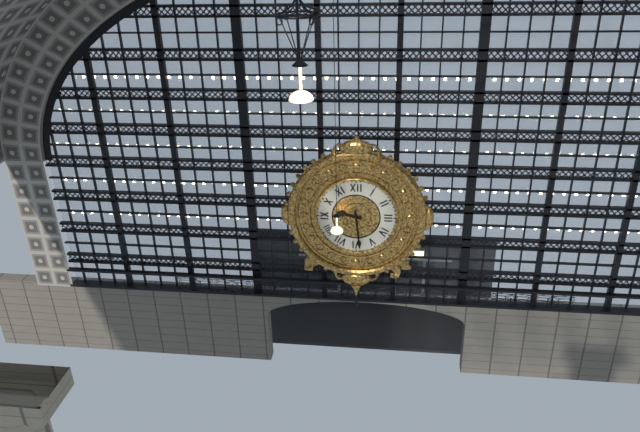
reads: 9,29
